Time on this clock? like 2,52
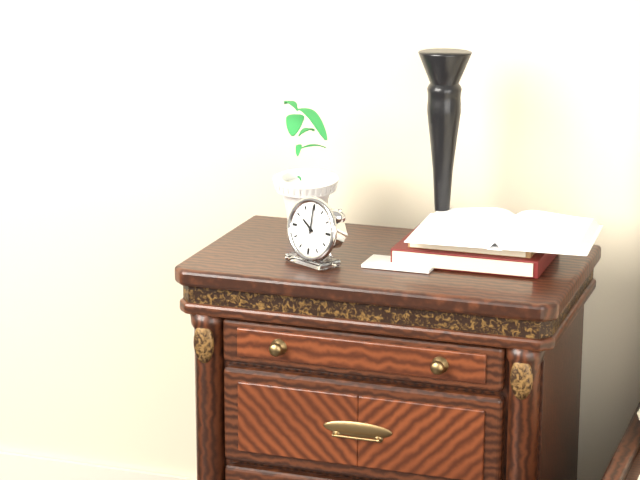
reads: 10,00
